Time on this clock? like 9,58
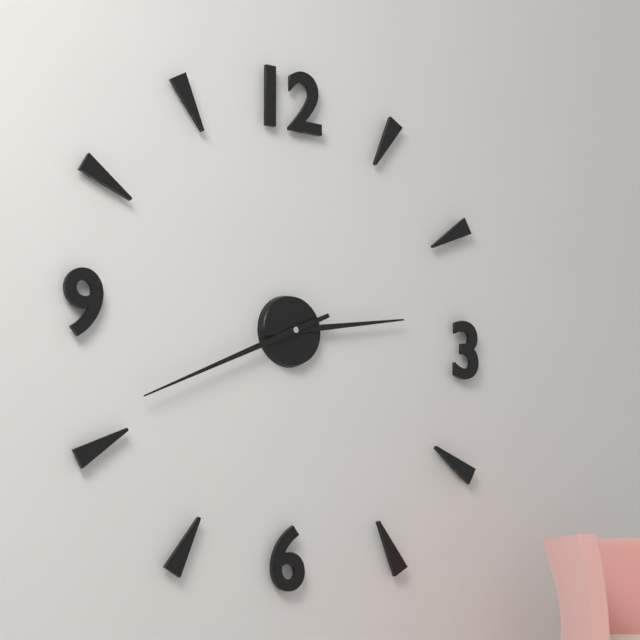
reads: 2,41
